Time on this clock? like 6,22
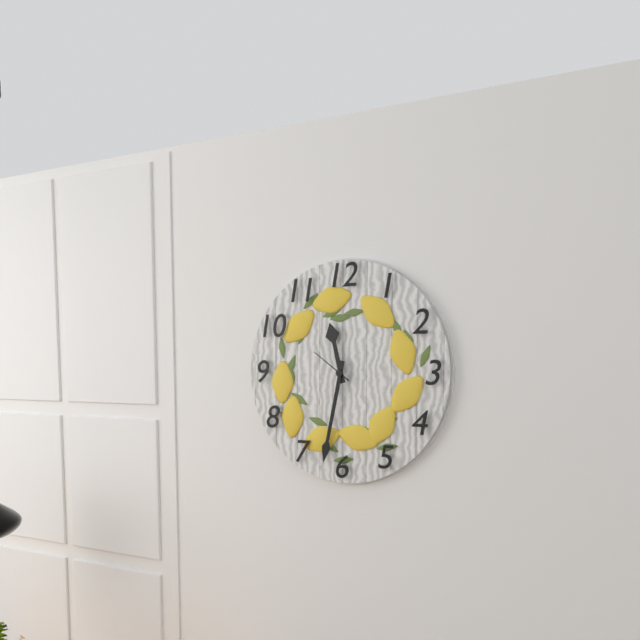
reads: 11,32
